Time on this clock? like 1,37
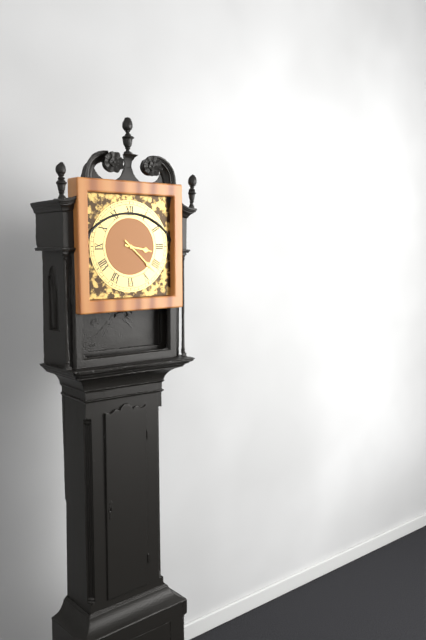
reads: 3,22
